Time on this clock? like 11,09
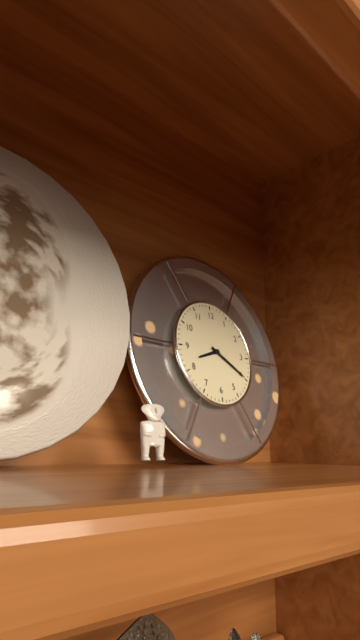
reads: 8,20
